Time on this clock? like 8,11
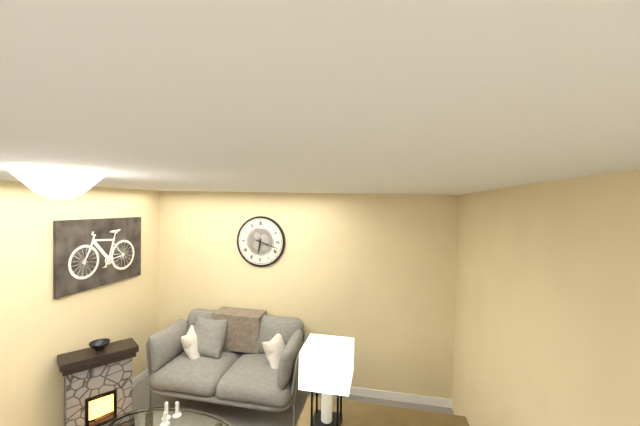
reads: 6,18
